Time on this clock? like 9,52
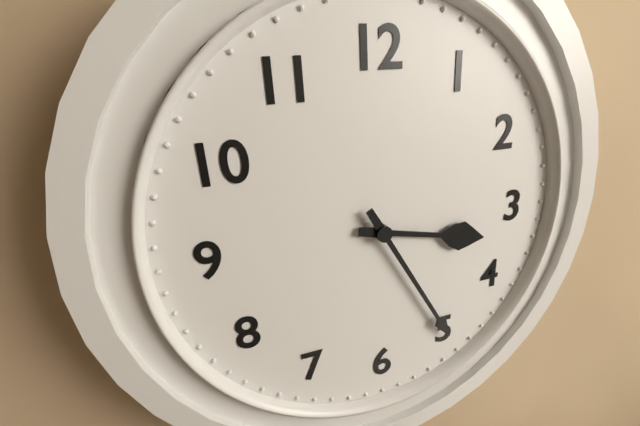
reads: 3,25
